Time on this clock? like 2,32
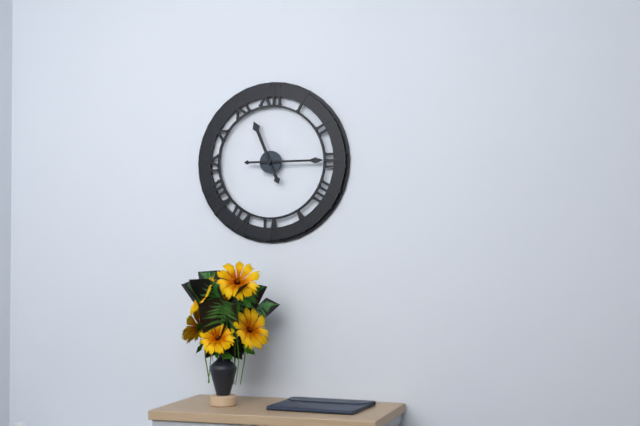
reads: 11,15
